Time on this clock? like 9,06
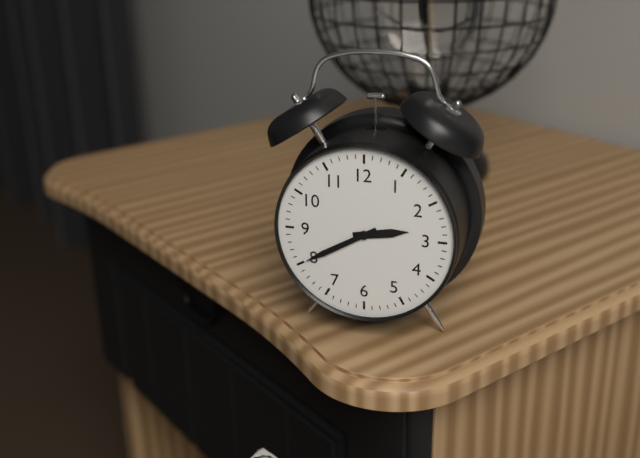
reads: 2,40
